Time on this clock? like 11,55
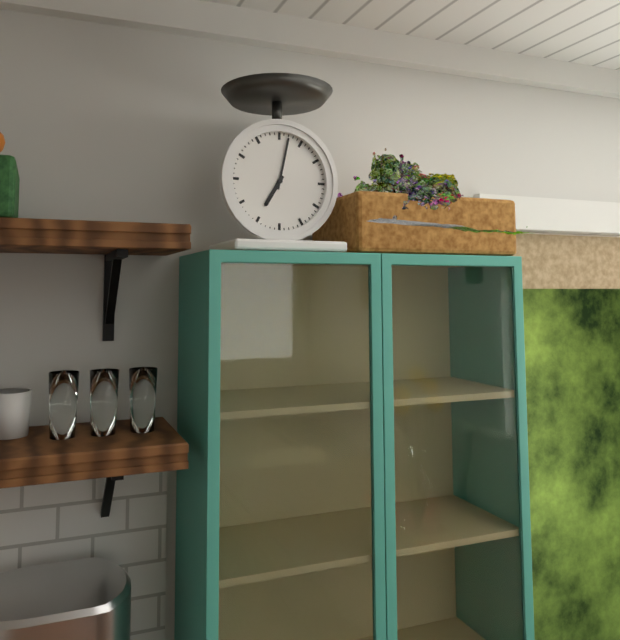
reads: 7,02
